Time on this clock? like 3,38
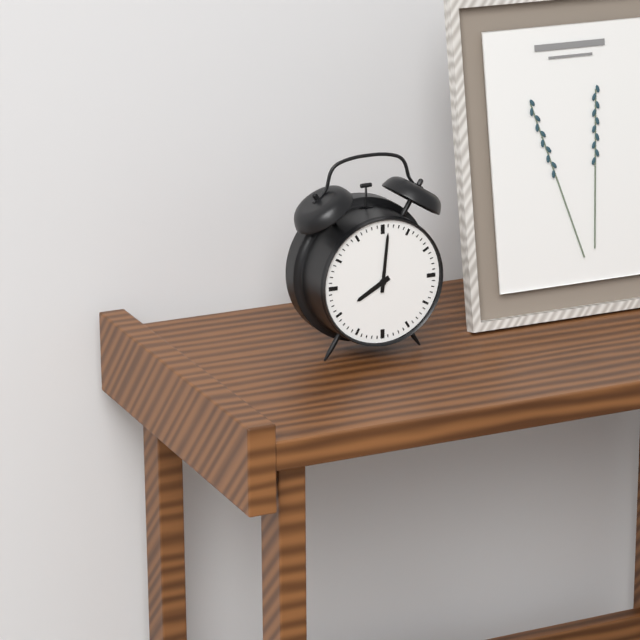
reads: 8,01
